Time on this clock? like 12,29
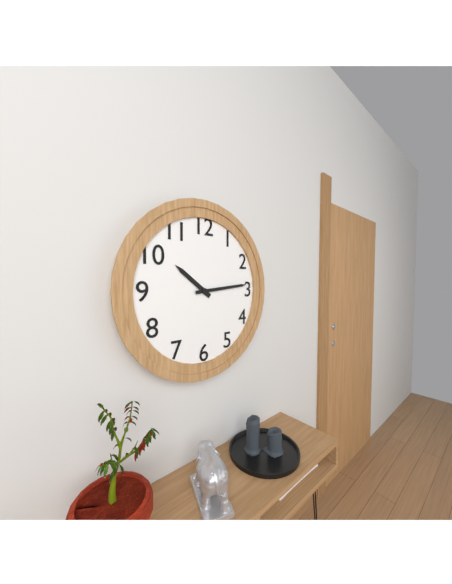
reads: 10,14
